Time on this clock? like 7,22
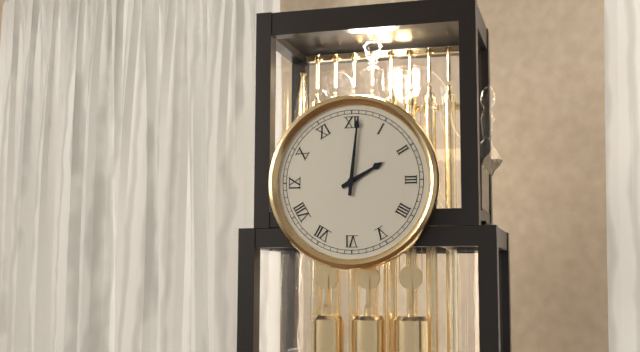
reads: 2,01
